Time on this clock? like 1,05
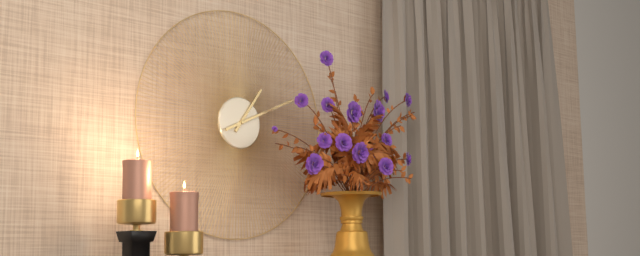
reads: 1,11
